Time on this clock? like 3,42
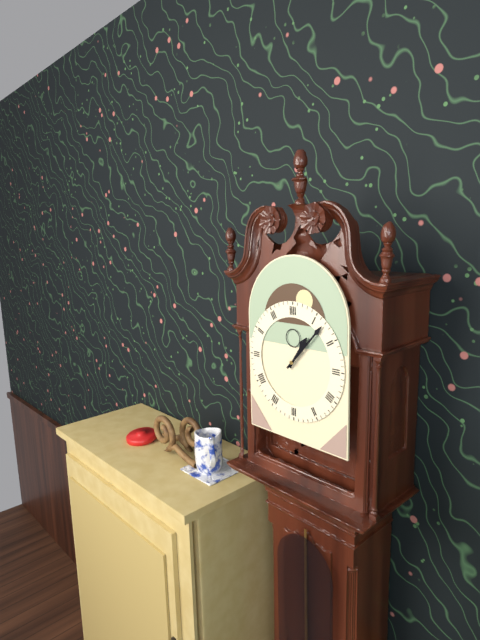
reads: 1,07
